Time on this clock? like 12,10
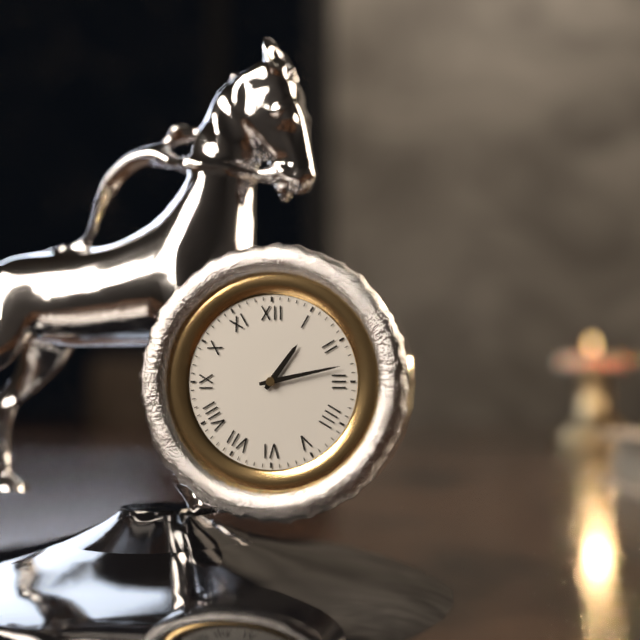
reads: 1,13
